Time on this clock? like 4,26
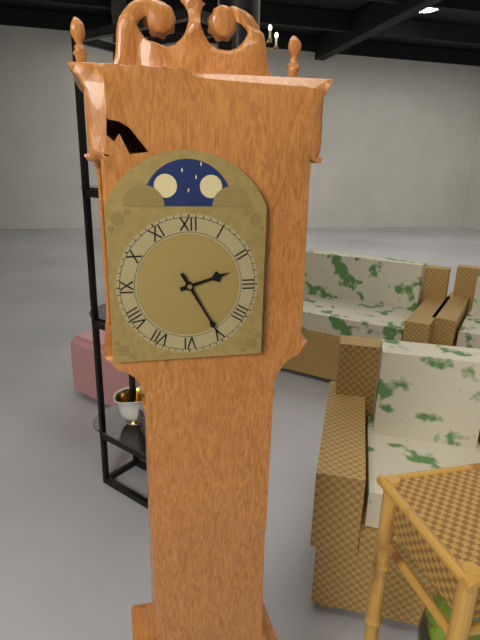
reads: 2,25
